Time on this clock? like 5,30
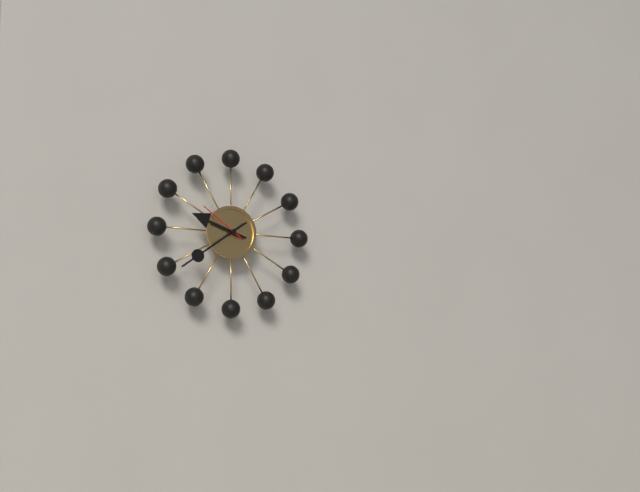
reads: 9,39
